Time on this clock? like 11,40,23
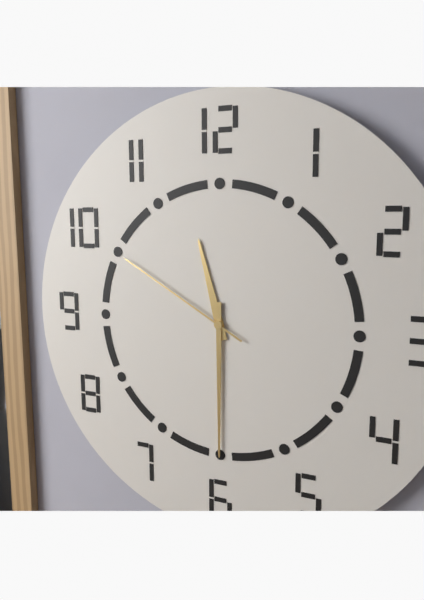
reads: 11,30,50
